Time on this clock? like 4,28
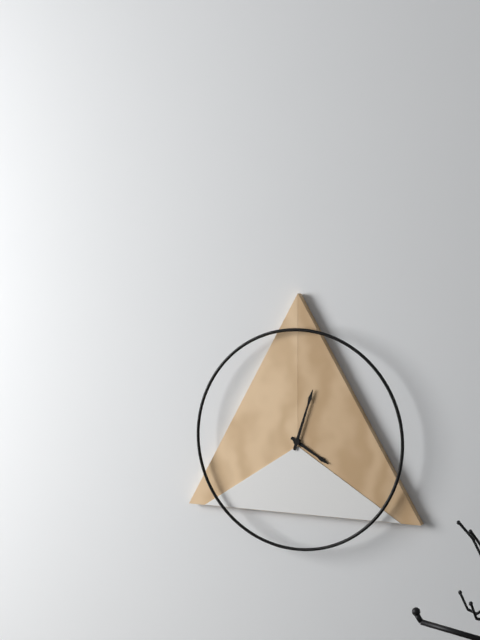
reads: 4,03
